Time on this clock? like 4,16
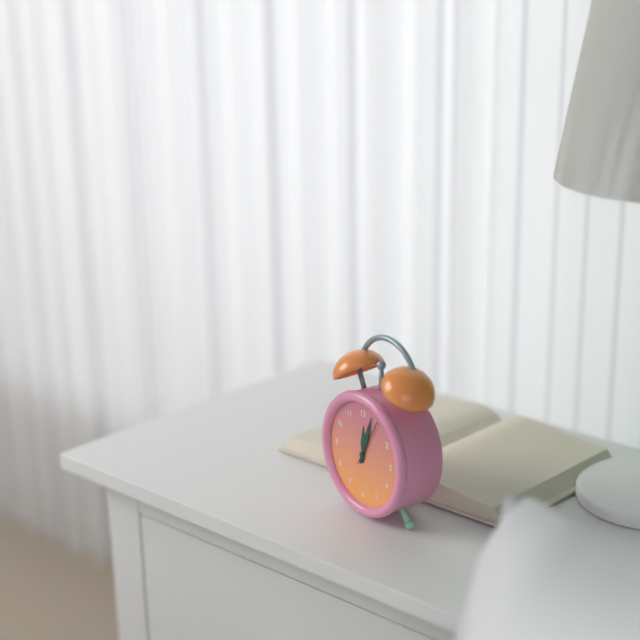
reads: 12,03
